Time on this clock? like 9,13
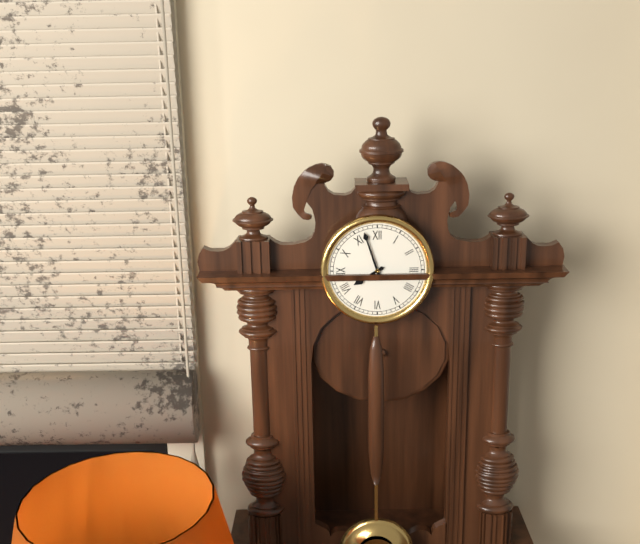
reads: 7,57
